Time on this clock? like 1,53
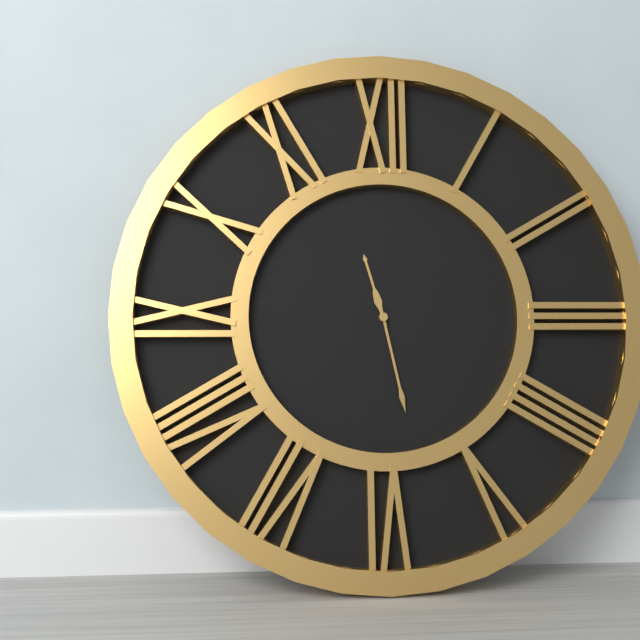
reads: 11,28
